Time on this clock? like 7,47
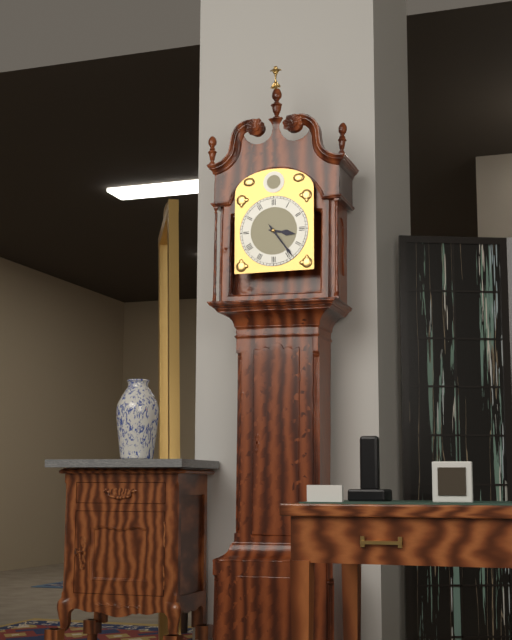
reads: 3,24
